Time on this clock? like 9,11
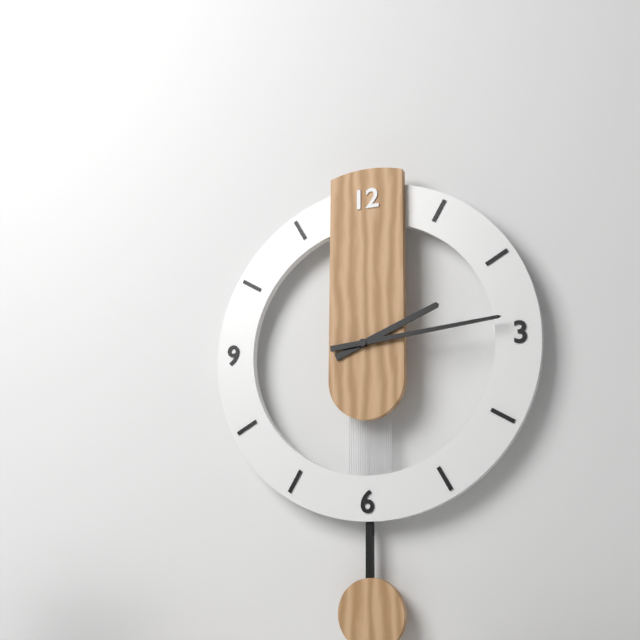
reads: 2,14
